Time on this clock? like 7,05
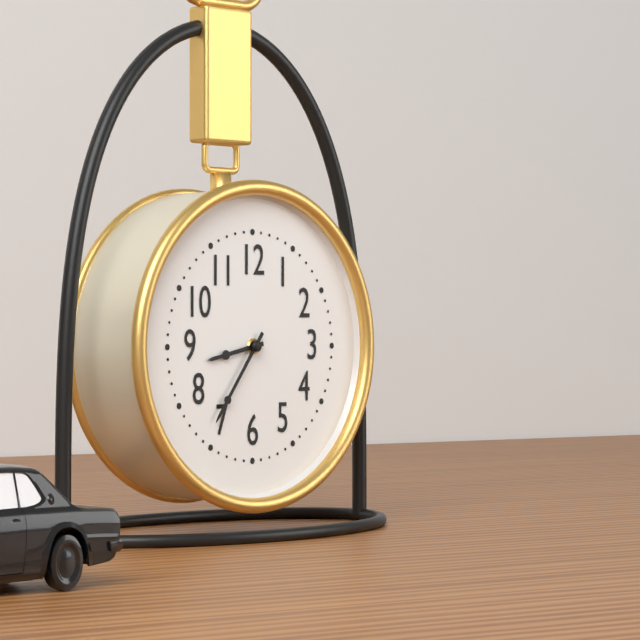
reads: 8,36
